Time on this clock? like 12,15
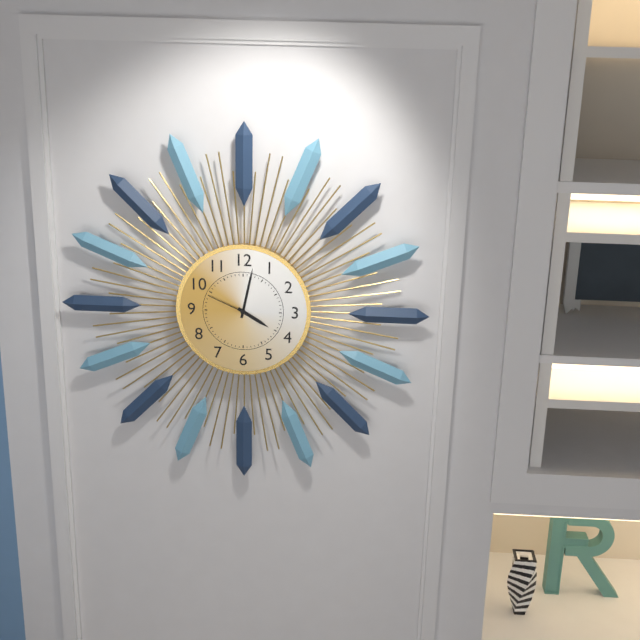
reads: 4,02
